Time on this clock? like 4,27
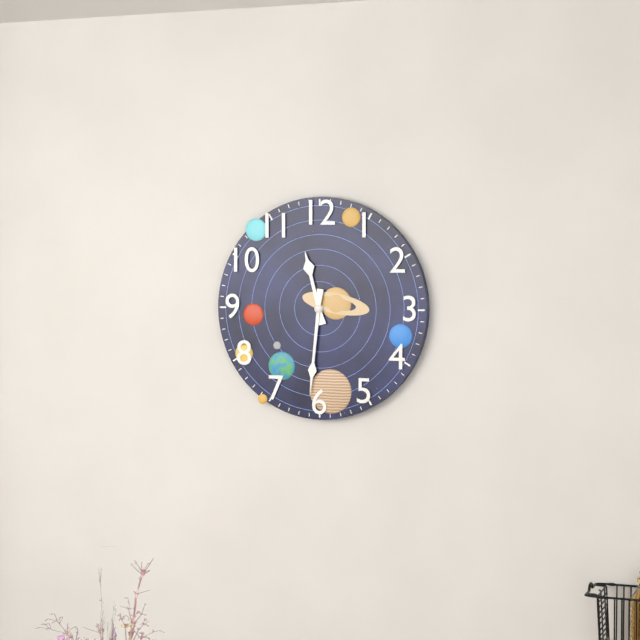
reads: 11,31
